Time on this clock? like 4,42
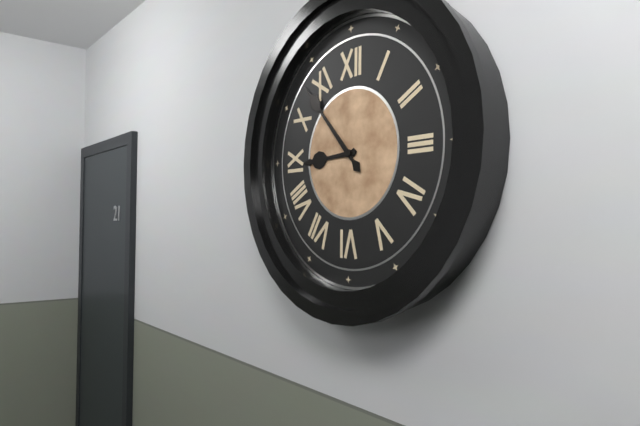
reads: 8,53
